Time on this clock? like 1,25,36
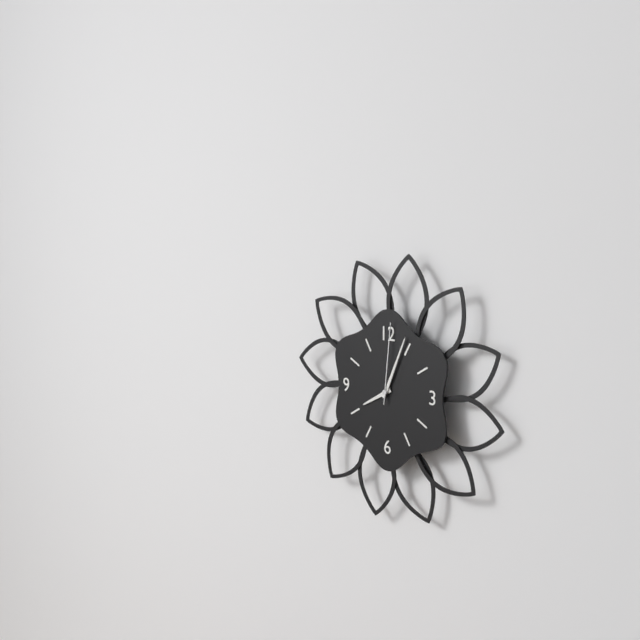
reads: 8,04,01
